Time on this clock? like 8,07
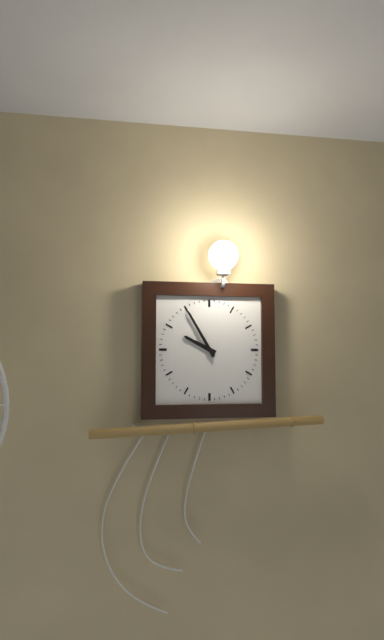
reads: 9,55
